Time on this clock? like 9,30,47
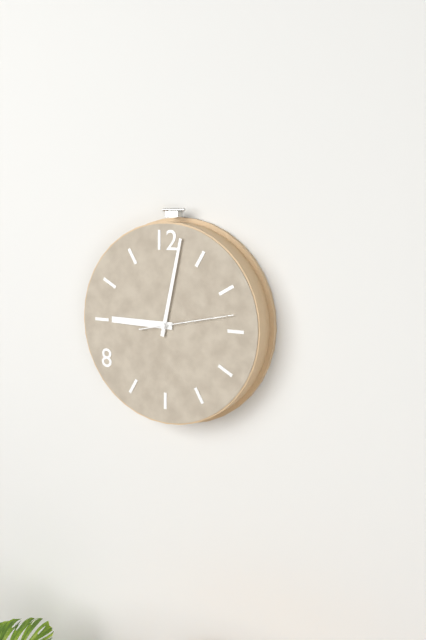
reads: 9,02,13
